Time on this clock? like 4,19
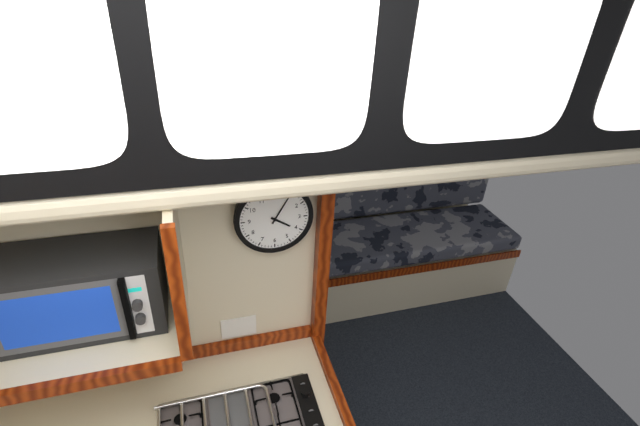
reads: 4,05
